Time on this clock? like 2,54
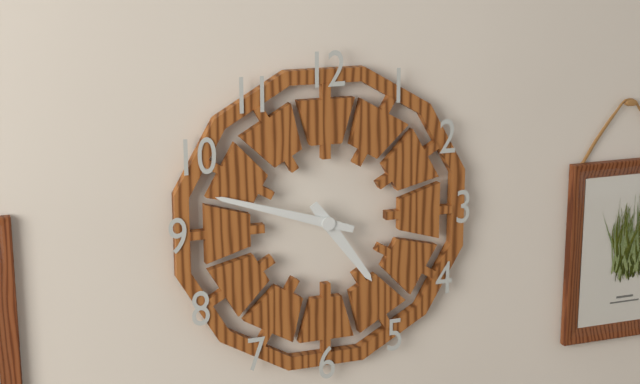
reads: 4,48
